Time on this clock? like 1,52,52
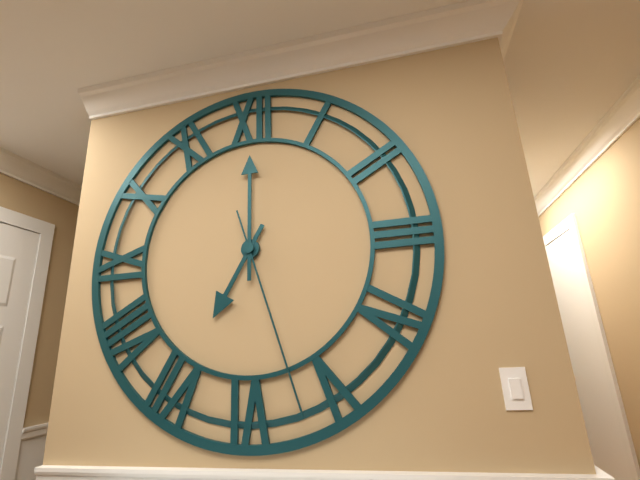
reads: 7,00,27
